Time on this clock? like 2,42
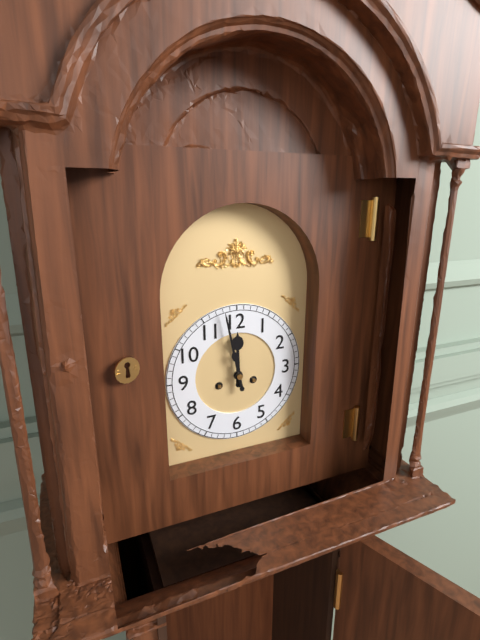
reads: 11,58
